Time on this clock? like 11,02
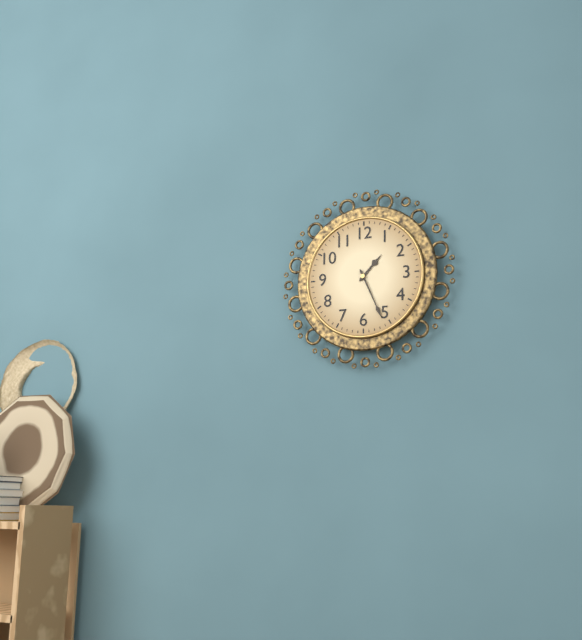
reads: 1,26
